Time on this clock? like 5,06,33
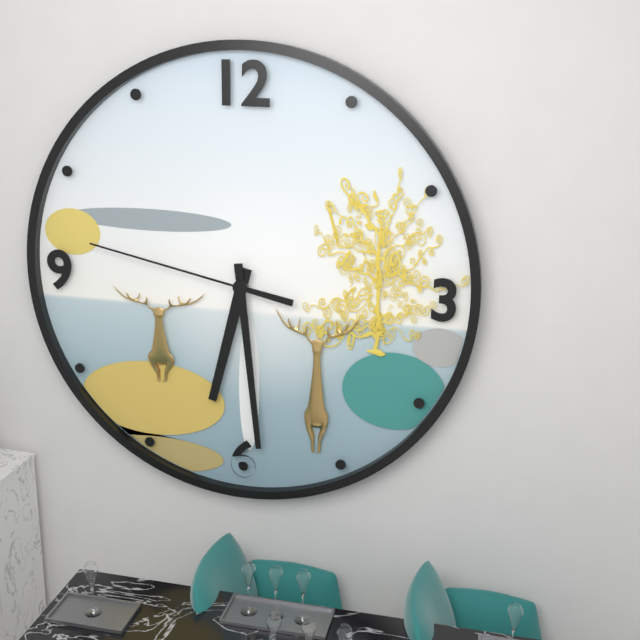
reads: 6,29,47
